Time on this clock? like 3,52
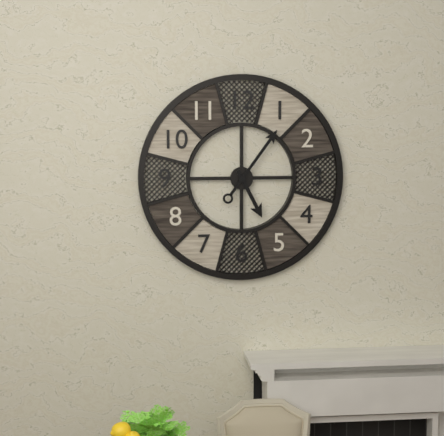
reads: 5,06
